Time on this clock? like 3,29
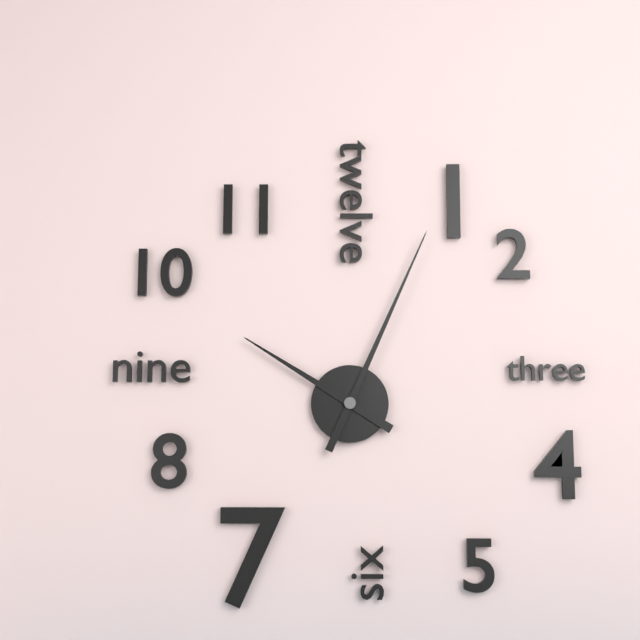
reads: 10,04
